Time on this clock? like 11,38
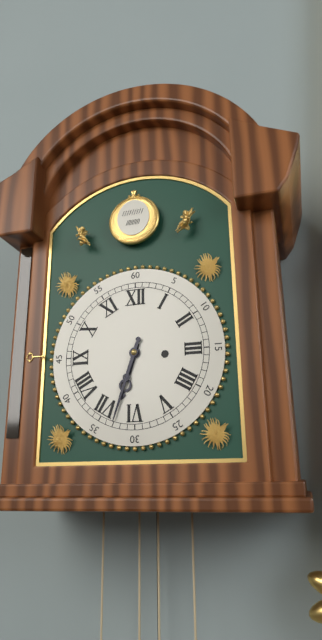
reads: 6,33
